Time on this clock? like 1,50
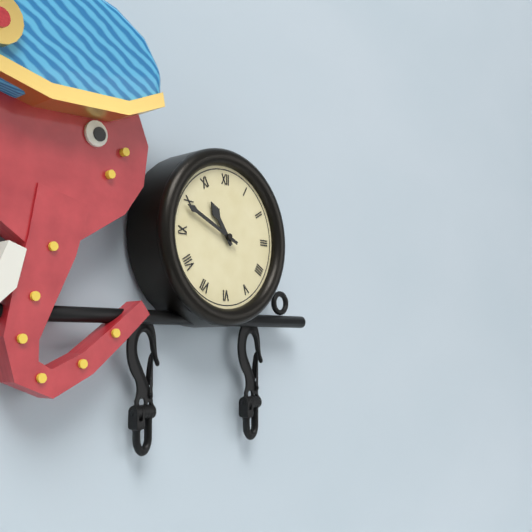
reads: 10,49
